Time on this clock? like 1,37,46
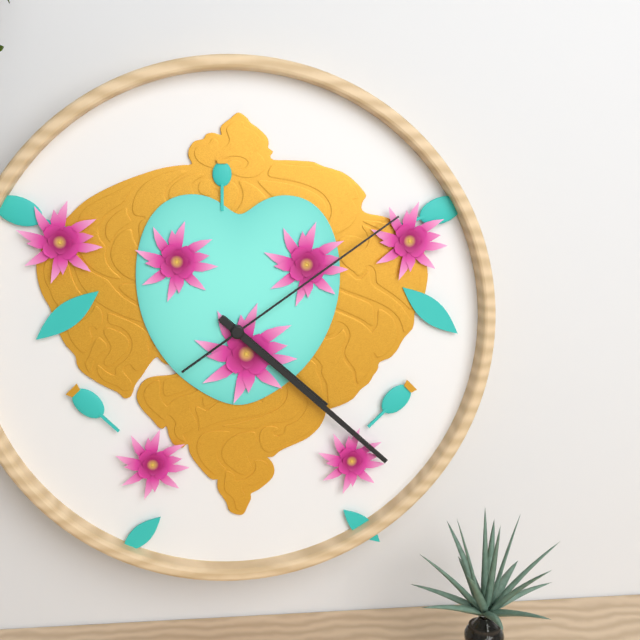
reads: 4,22,09
